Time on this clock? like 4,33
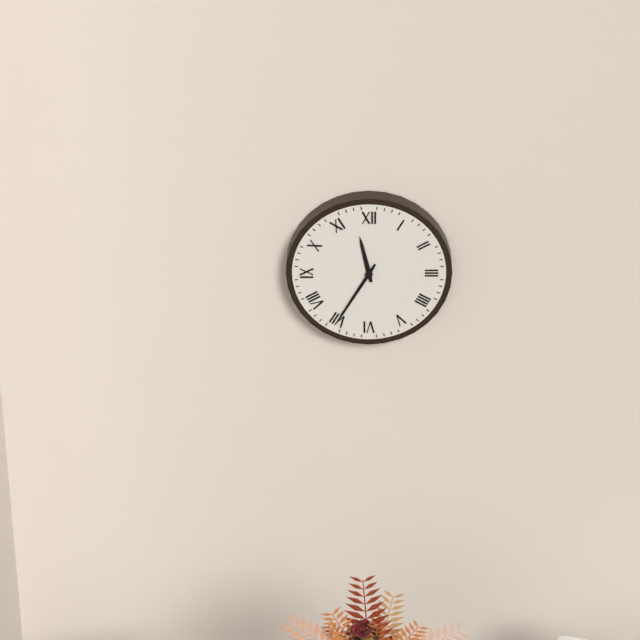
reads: 11,35
